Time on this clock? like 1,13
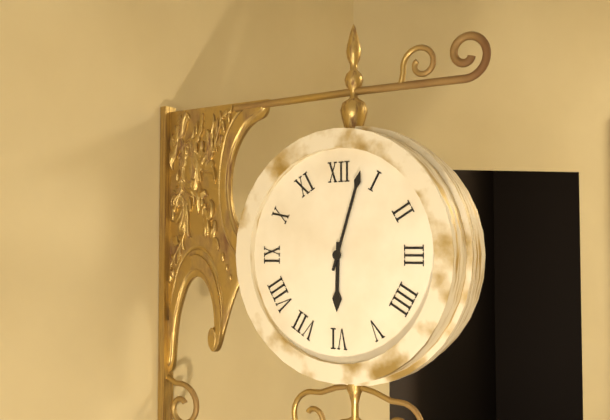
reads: 6,03
